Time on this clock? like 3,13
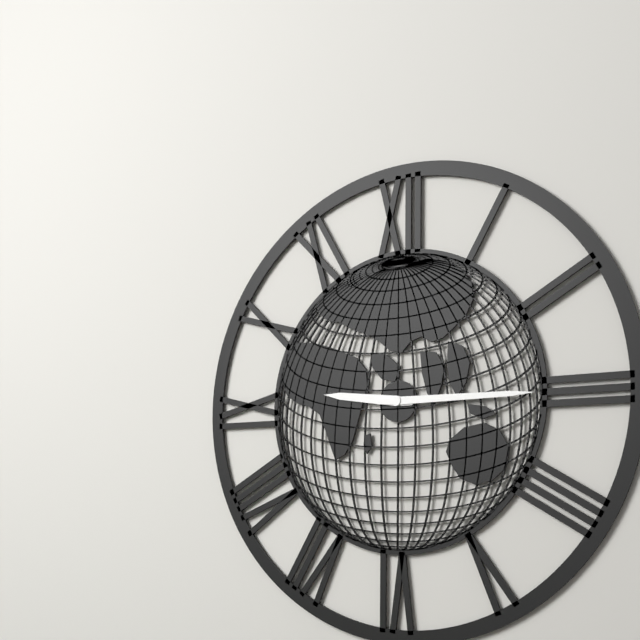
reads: 9,15
